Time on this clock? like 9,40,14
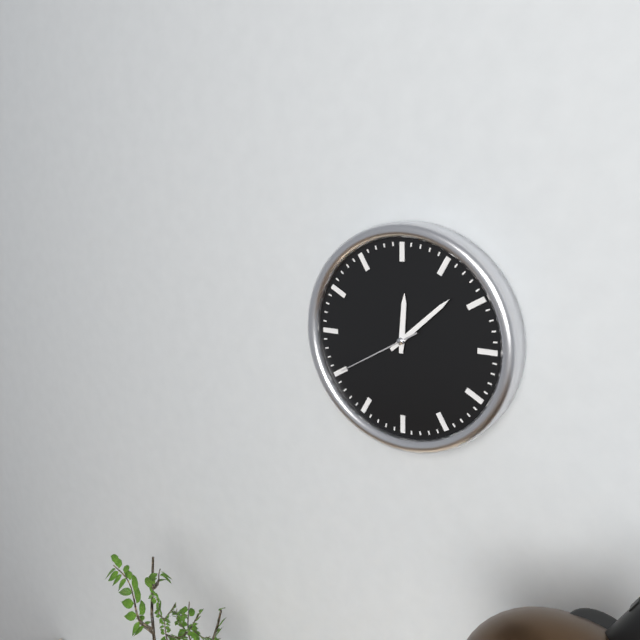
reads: 12,08,40
